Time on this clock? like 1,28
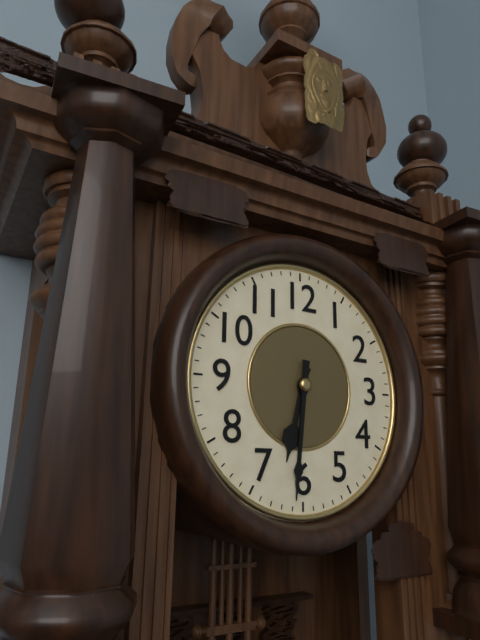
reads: 6,31
